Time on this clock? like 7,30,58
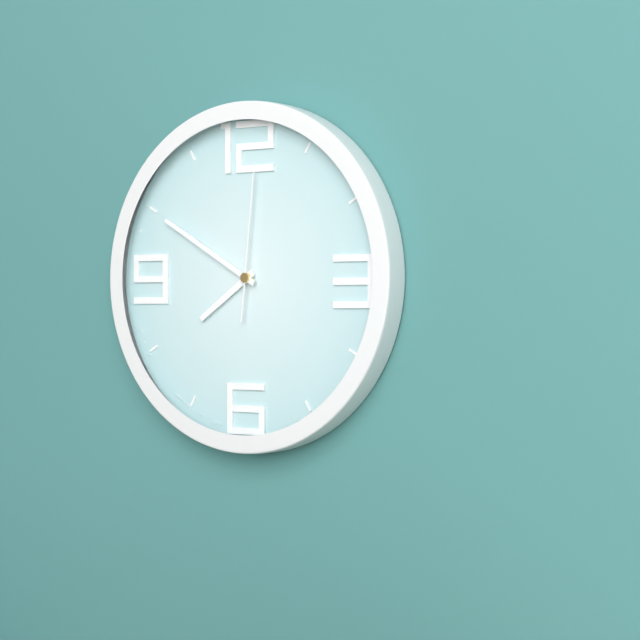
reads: 7,50,01
